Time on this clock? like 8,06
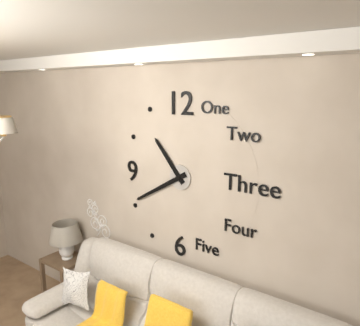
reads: 10,40
